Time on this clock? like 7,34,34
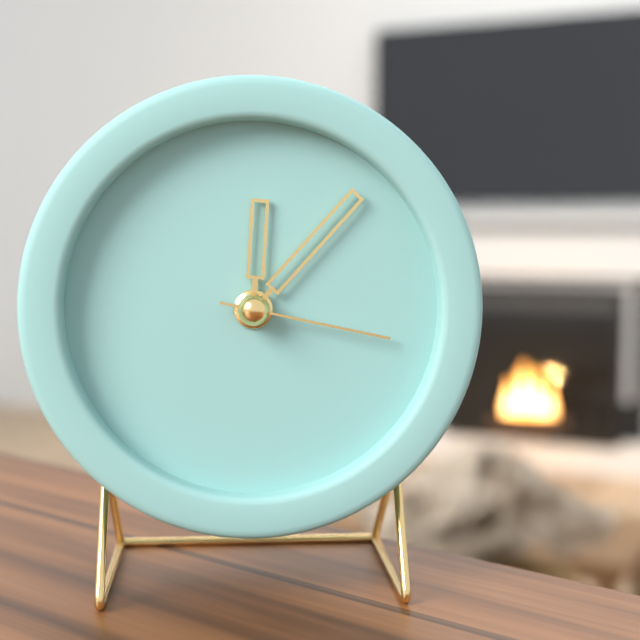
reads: 12,07,17
